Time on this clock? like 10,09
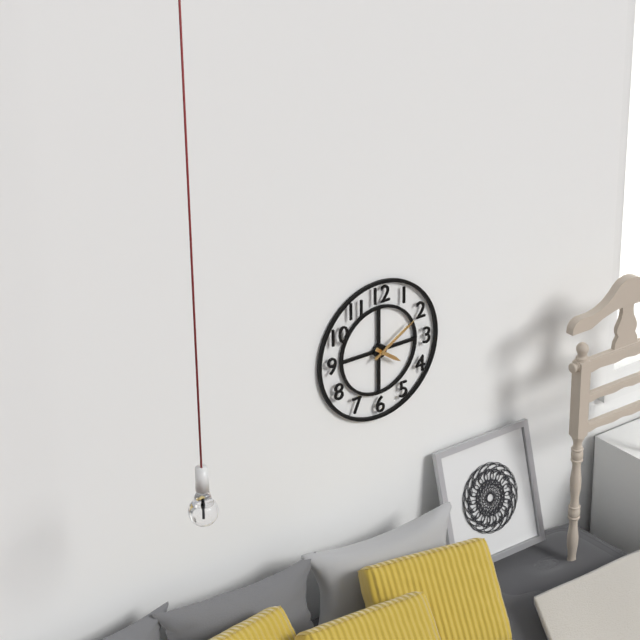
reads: 4,10
